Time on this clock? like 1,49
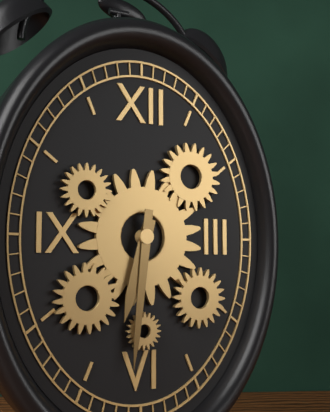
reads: 6,31
